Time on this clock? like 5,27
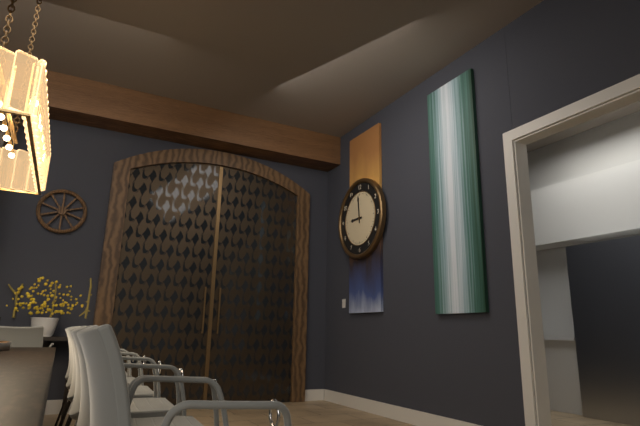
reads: 8,59
